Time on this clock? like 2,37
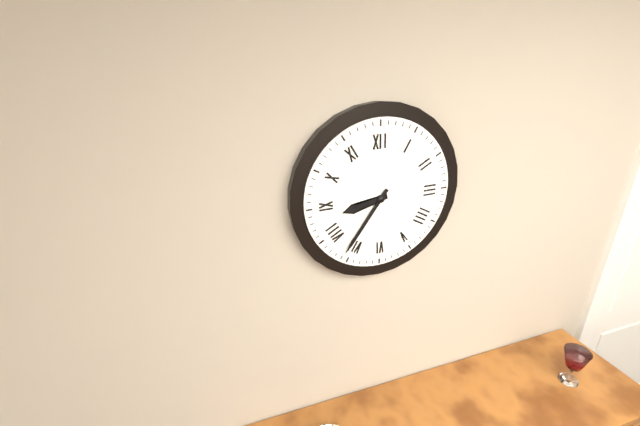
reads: 8,36
